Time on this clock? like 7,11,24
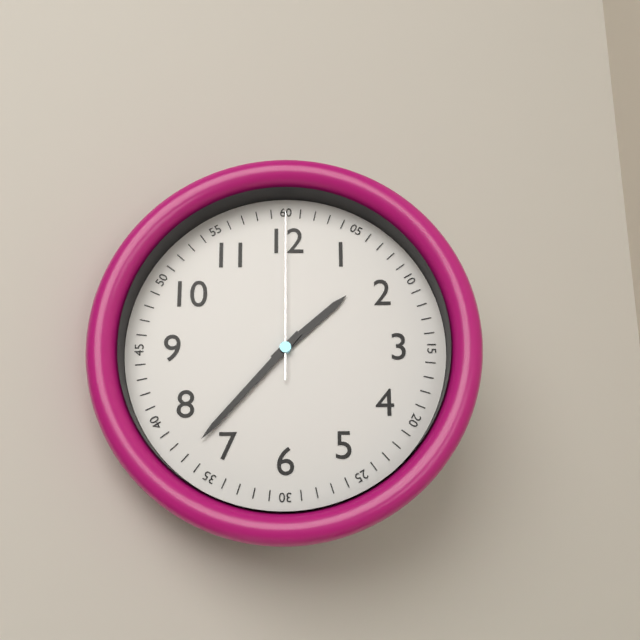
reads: 1,37,00
